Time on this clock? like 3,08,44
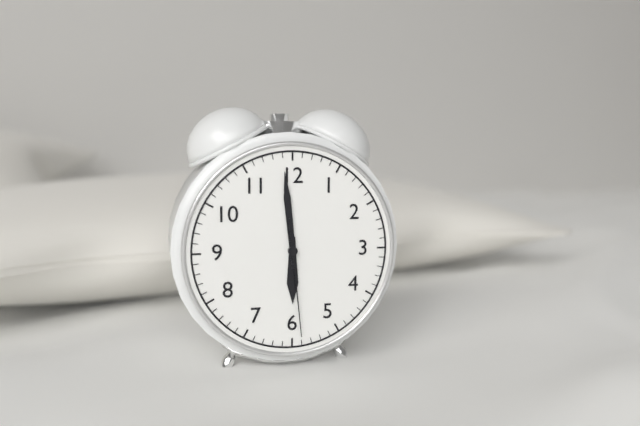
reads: 5,59,29
